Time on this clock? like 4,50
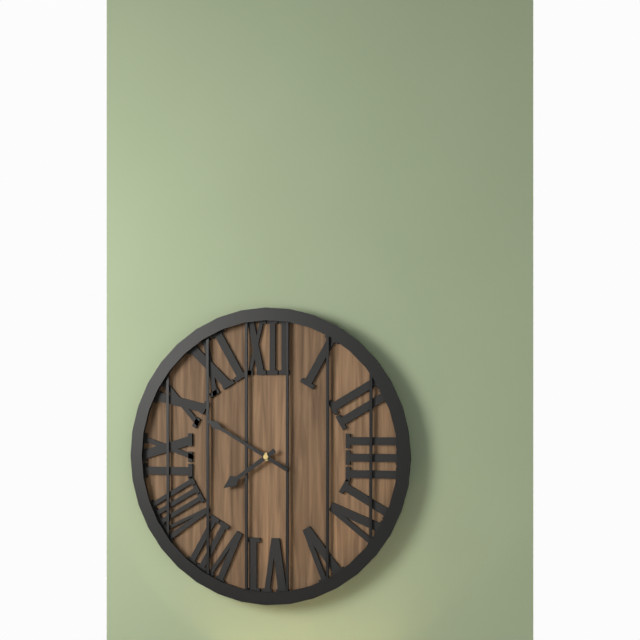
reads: 7,50
